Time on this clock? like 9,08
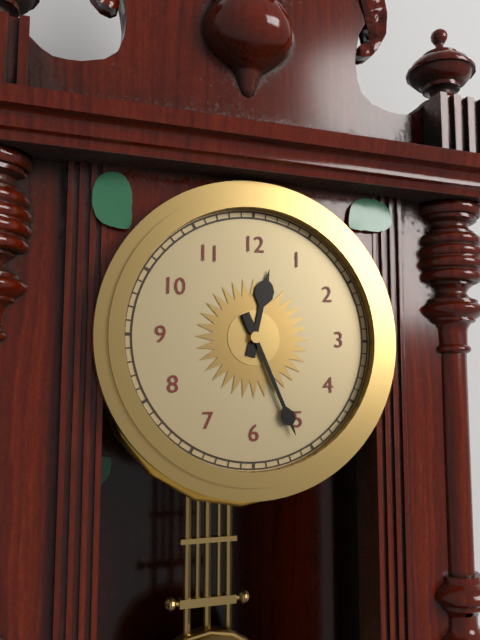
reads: 12,26
